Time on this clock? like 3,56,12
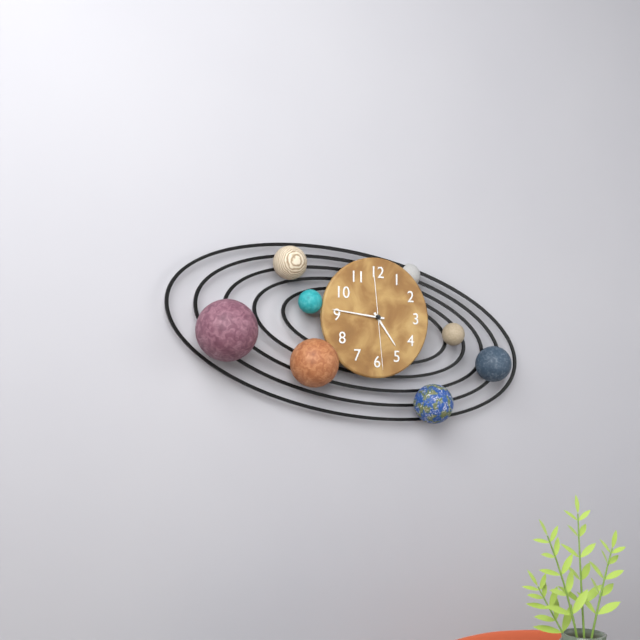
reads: 4,46,29
